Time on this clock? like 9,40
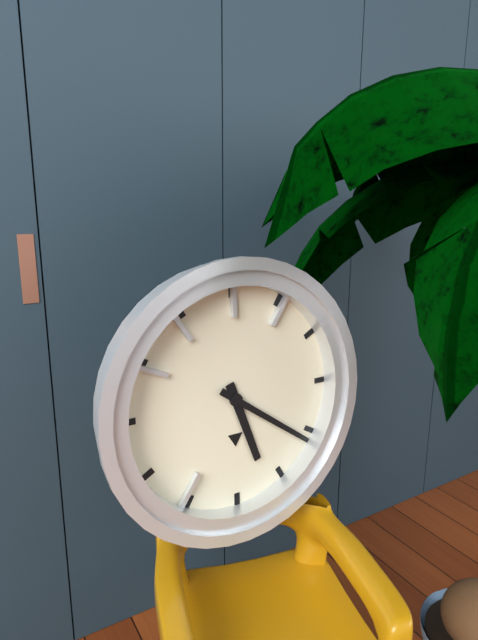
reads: 5,21
